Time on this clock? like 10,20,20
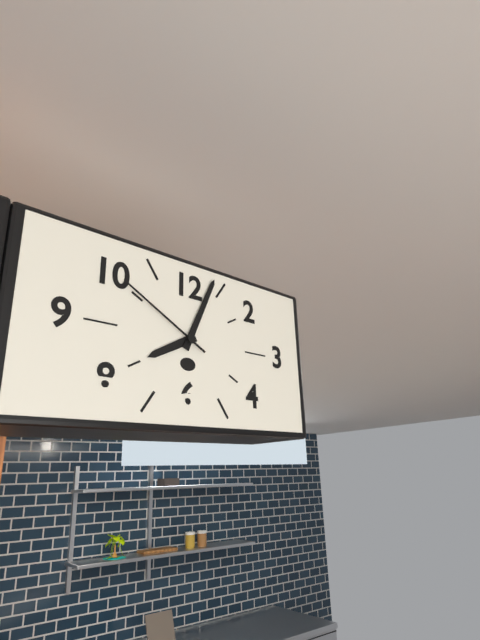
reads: 8,04,50
